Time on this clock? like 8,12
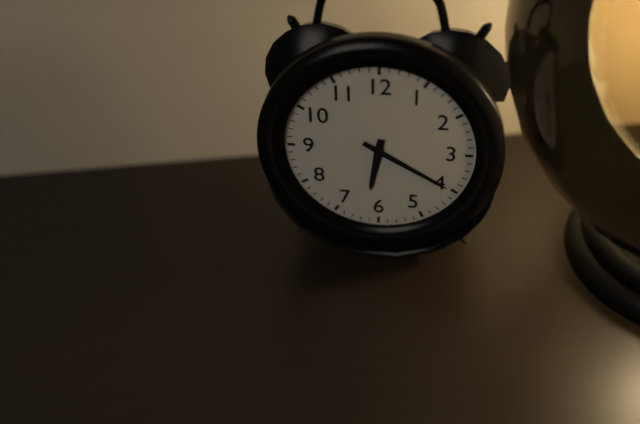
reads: 6,20
